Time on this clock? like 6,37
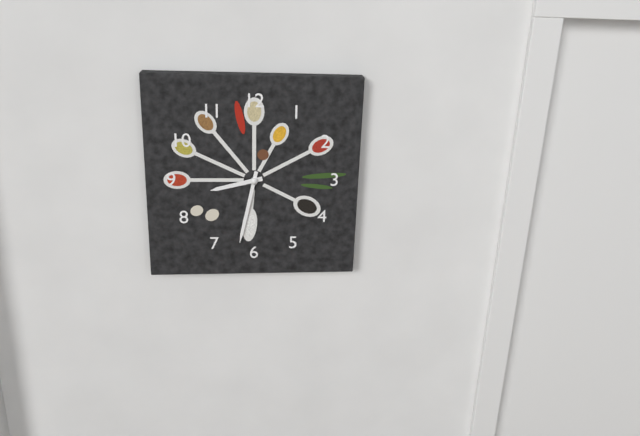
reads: 8,32
